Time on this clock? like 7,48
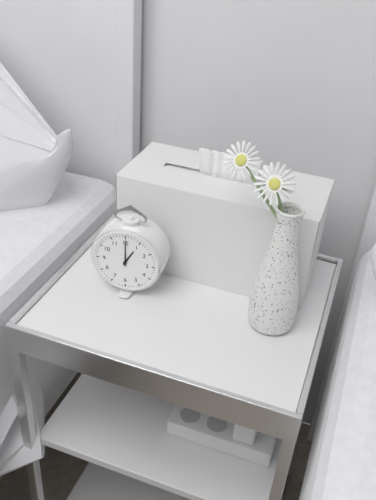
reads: 1,00
